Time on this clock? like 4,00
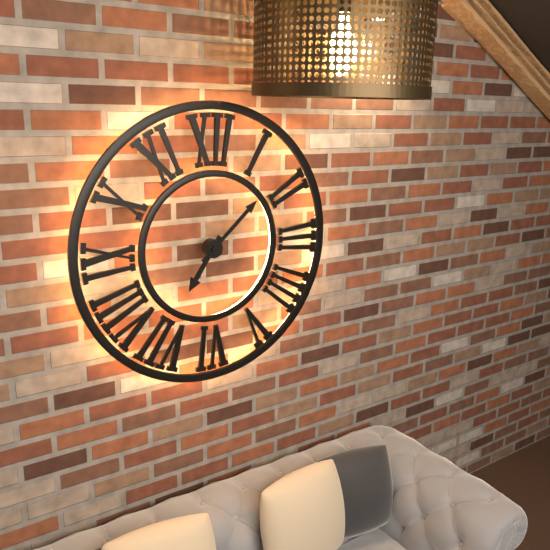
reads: 7,08
